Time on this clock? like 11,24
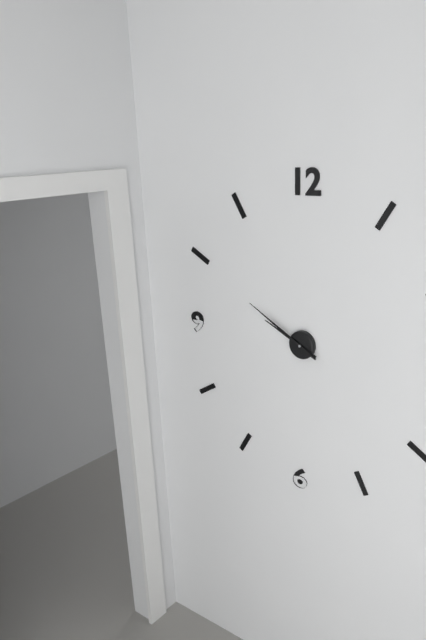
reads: 9,50
